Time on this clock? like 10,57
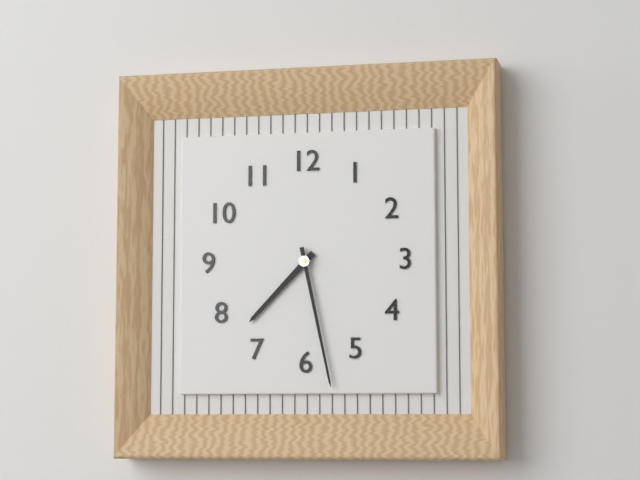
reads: 7,28
